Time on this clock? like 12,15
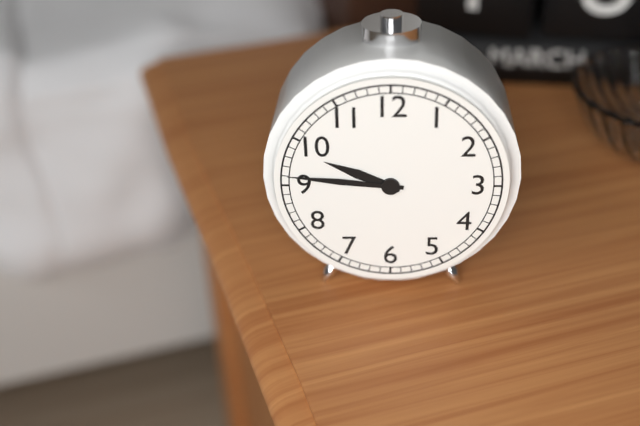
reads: 9,46
